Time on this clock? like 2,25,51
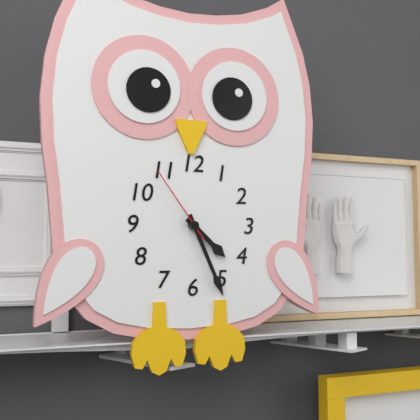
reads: 4,26,54
